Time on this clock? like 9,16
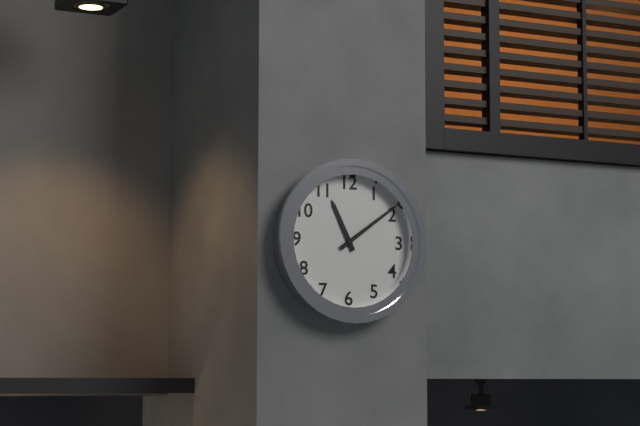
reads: 11,09
